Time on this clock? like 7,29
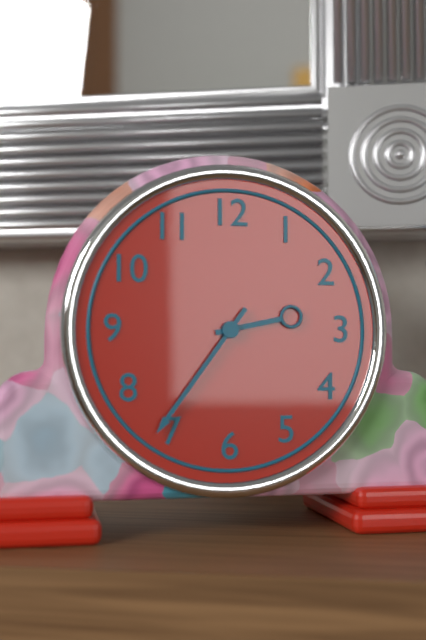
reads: 2,36
